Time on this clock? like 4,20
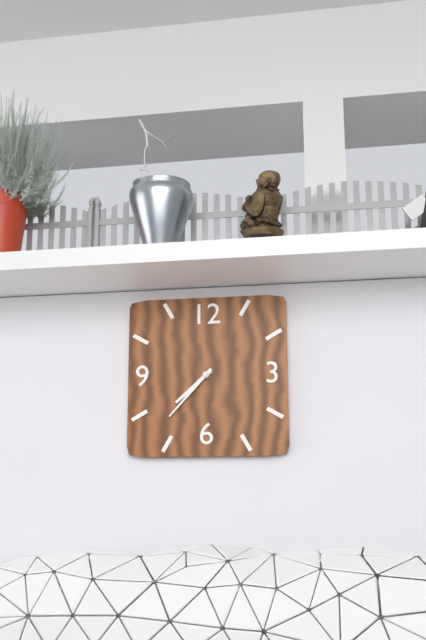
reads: 7,37
